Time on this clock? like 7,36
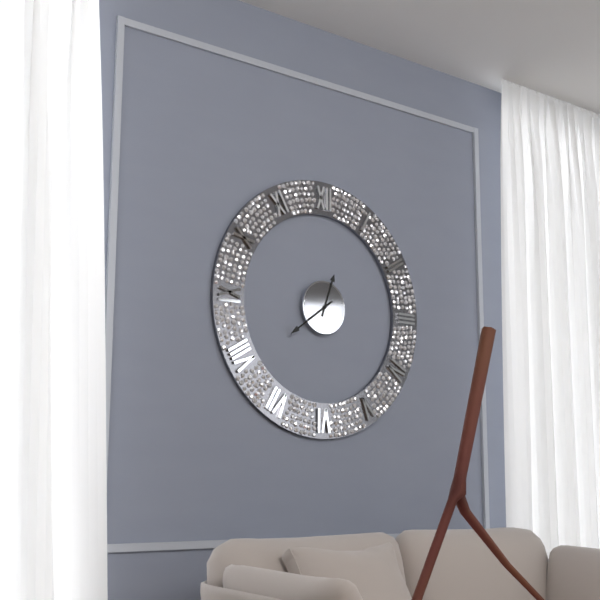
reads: 12,39
